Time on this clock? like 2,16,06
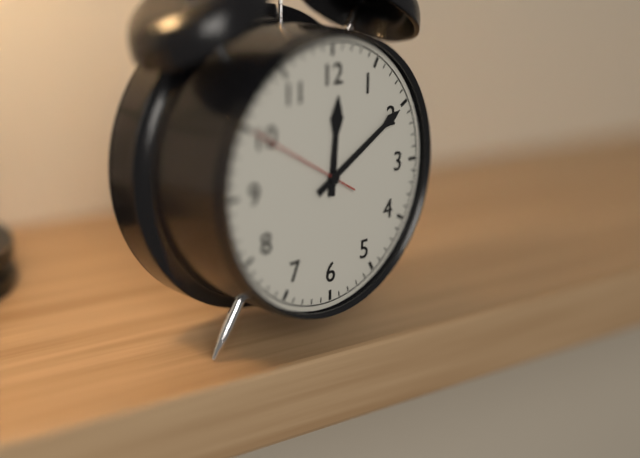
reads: 12,10,50
